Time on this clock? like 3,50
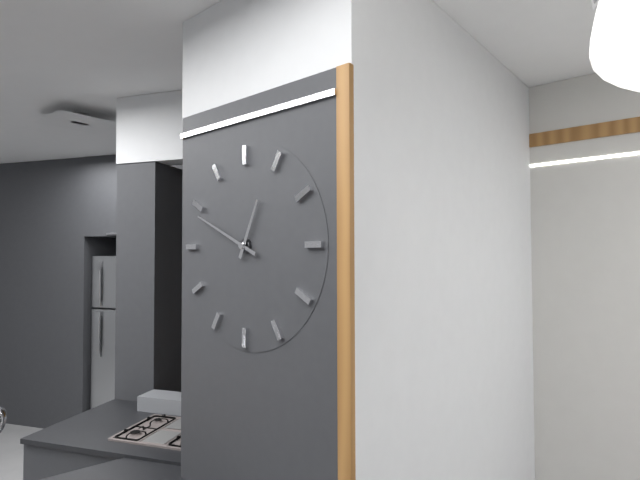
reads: 12,49
